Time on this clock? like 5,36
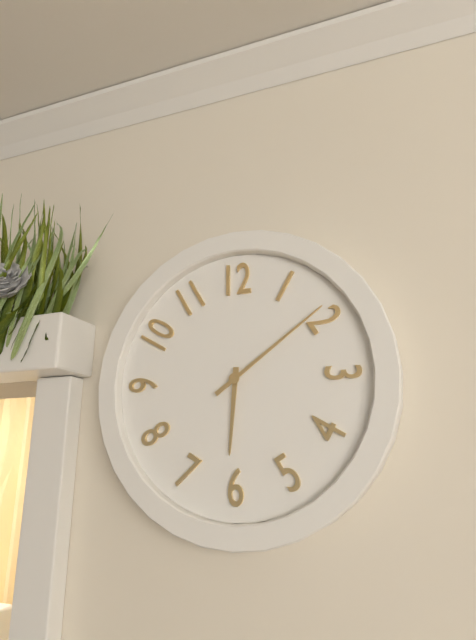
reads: 6,09
